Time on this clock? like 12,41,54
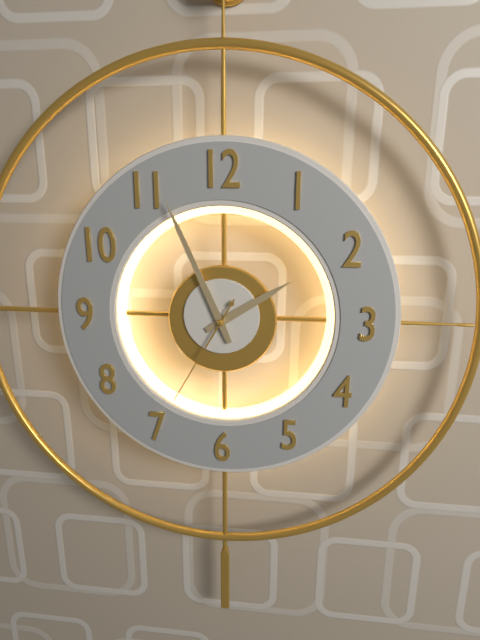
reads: 1,56,35
